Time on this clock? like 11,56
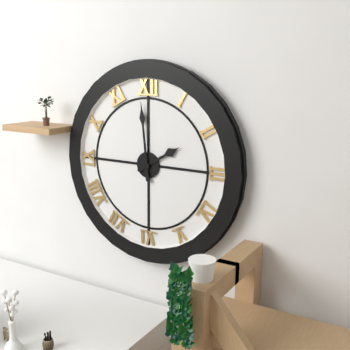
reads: 1,59
